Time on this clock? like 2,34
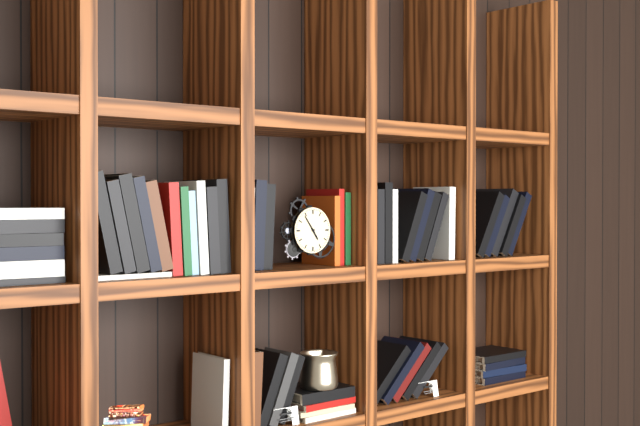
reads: 4,54
